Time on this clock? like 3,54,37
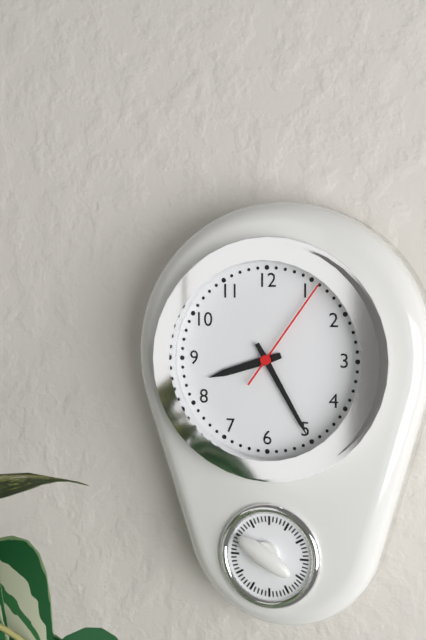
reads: 8,25,06
